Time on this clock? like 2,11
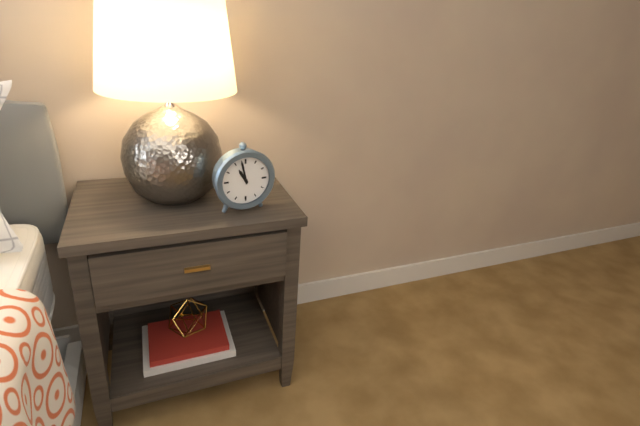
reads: 10,58
